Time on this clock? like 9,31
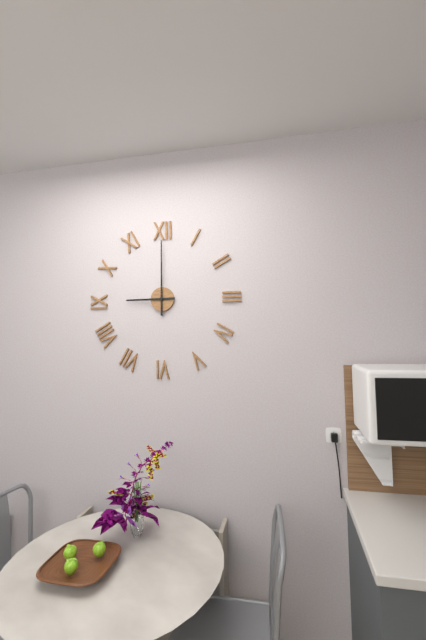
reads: 9,00
